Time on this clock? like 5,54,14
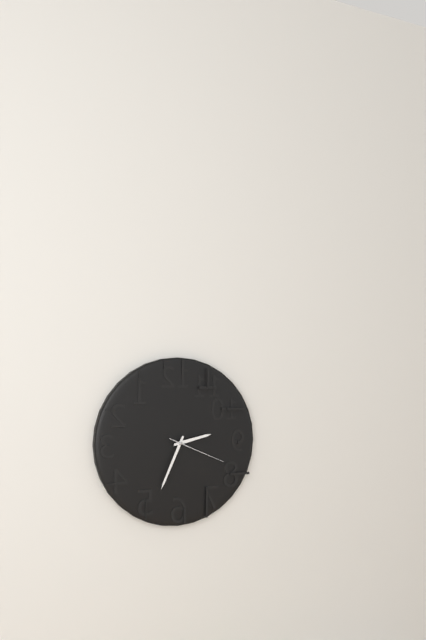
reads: 2,34,19
